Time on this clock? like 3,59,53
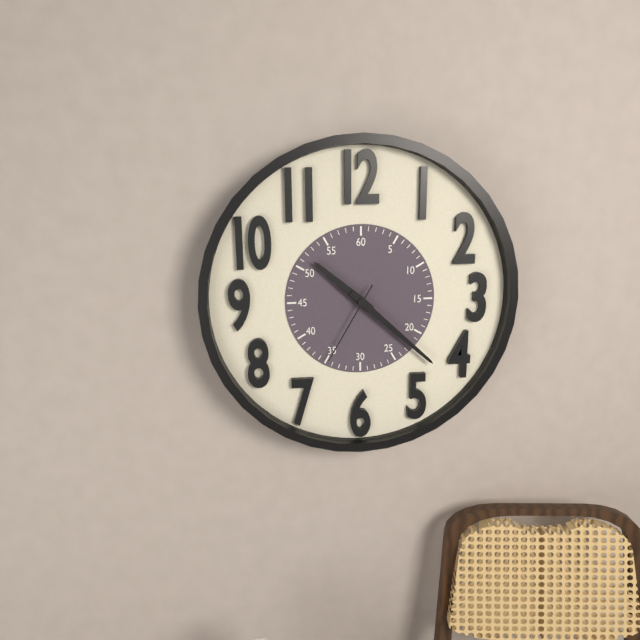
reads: 10,22,35
